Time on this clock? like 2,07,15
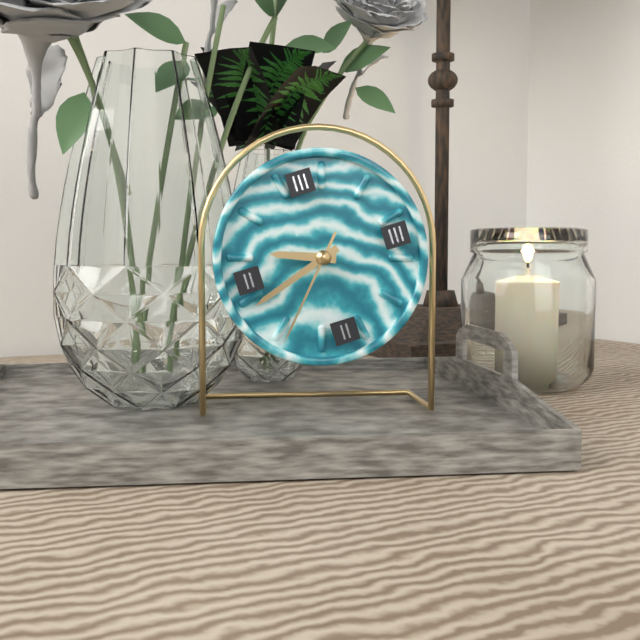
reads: 9,42,37
